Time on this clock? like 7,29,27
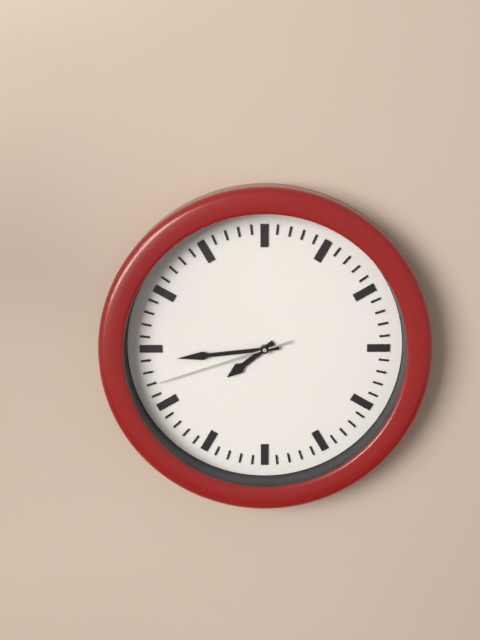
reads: 7,44,42
